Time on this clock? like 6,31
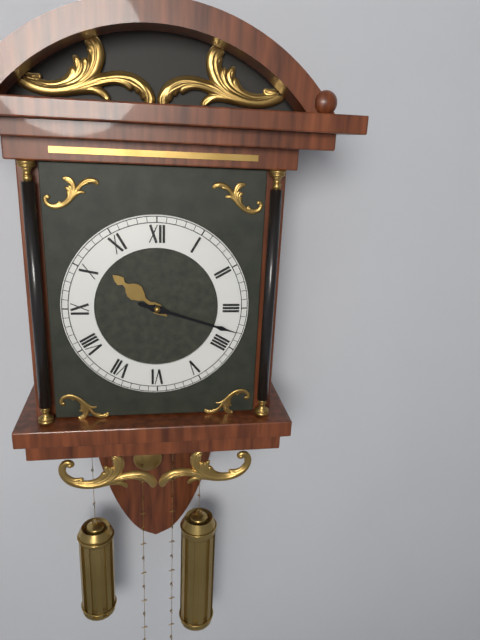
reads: 10,18
